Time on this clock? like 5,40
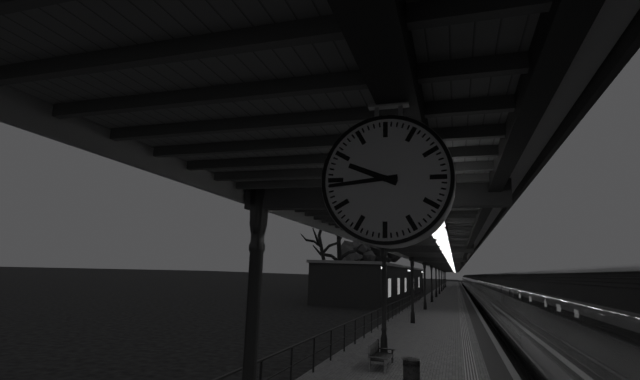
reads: 9,44
